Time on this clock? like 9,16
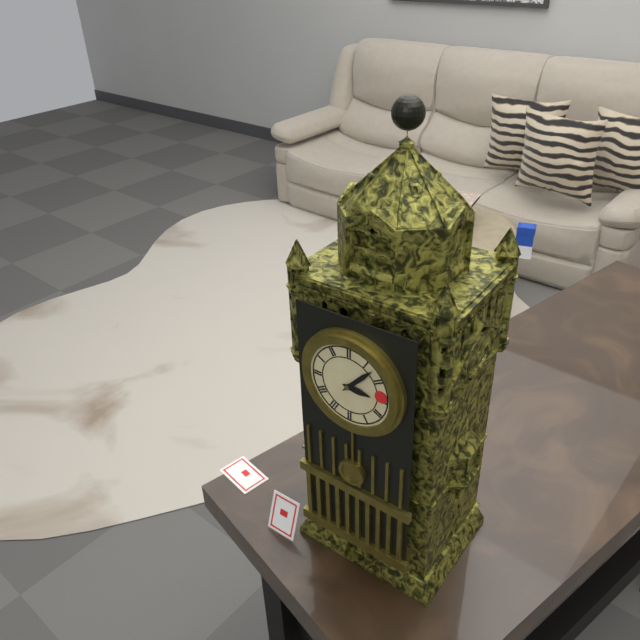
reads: 3,07
